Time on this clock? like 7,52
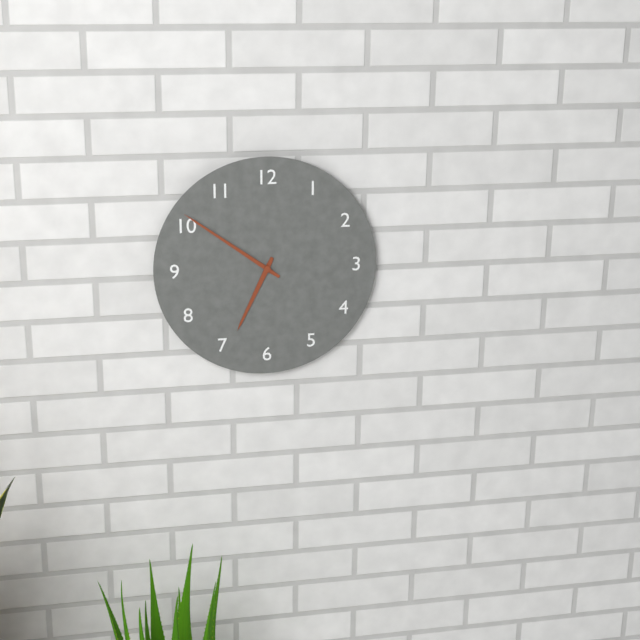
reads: 6,51
